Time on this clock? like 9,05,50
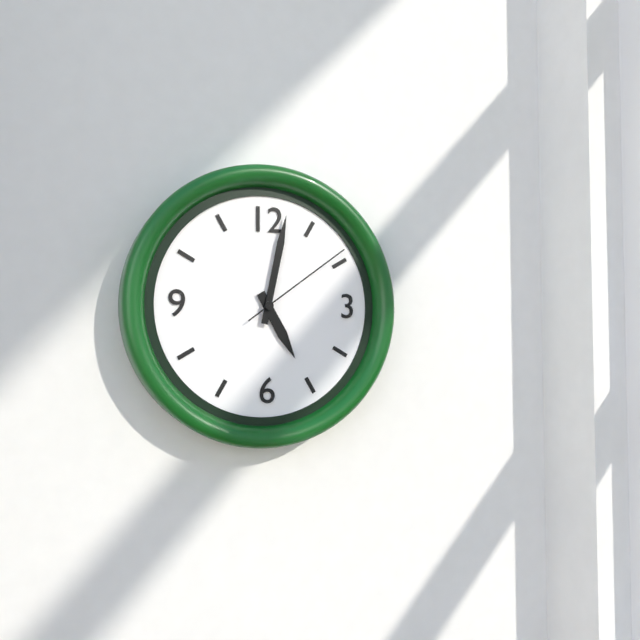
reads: 5,02,09
